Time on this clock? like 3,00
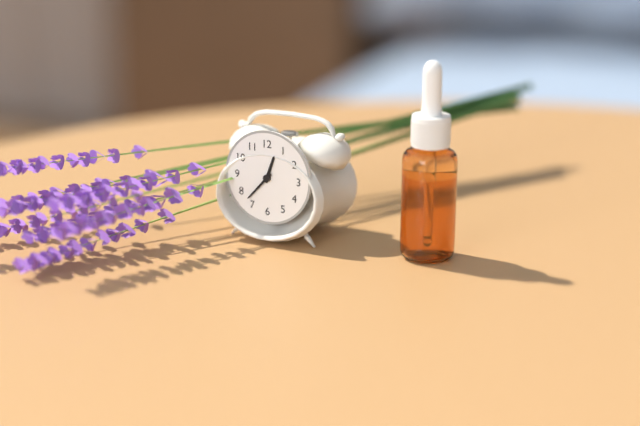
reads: 12,37
